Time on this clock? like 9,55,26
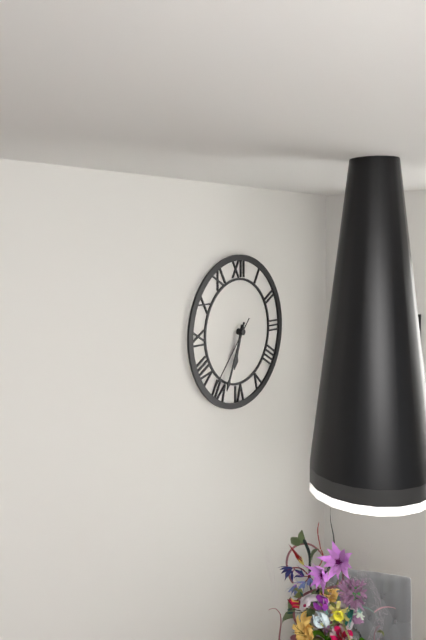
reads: 6,34,37
